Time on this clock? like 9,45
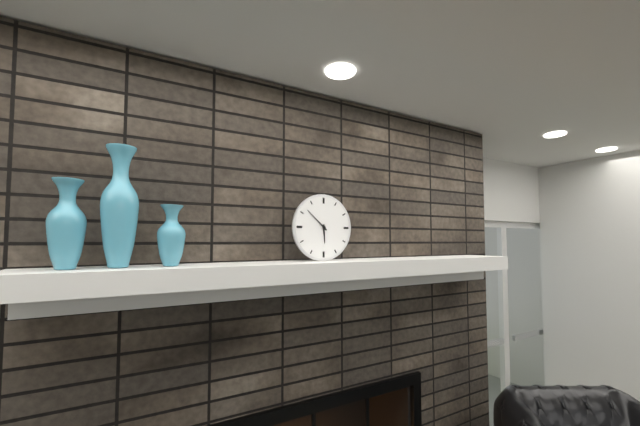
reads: 5,52
